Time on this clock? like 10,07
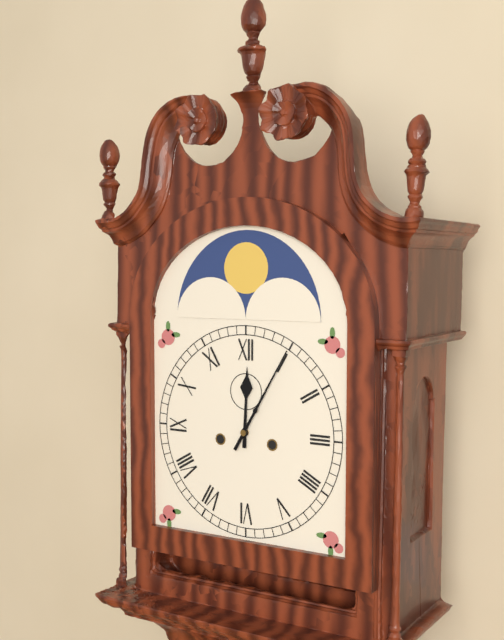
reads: 12,05
